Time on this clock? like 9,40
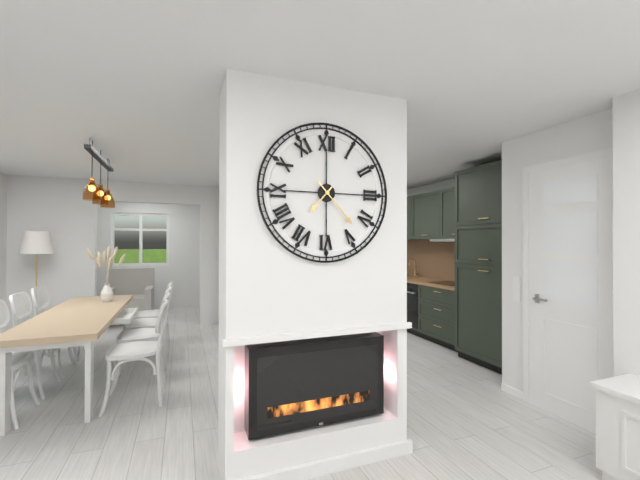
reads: 7,23
